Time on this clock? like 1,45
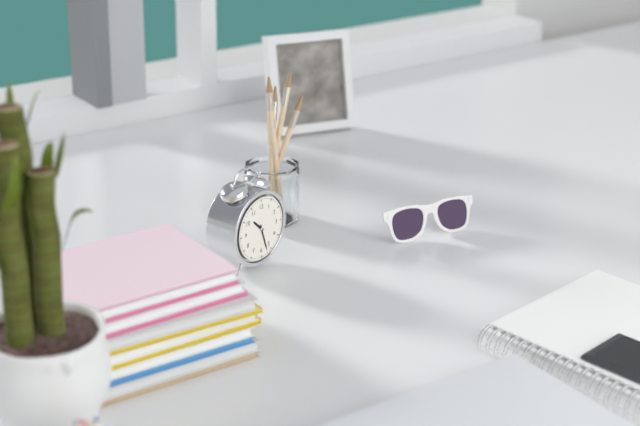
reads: 10,27
